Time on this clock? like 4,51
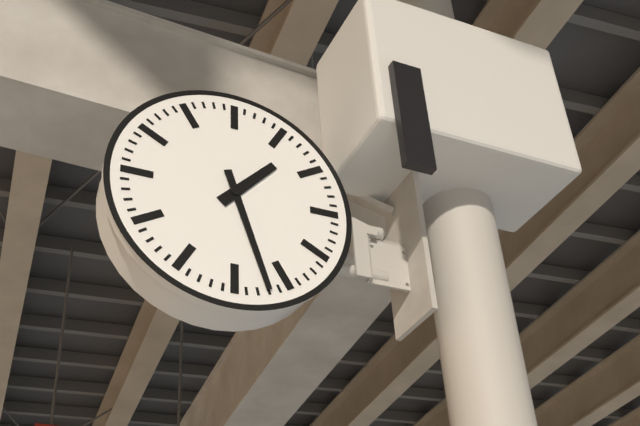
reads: 1,27
